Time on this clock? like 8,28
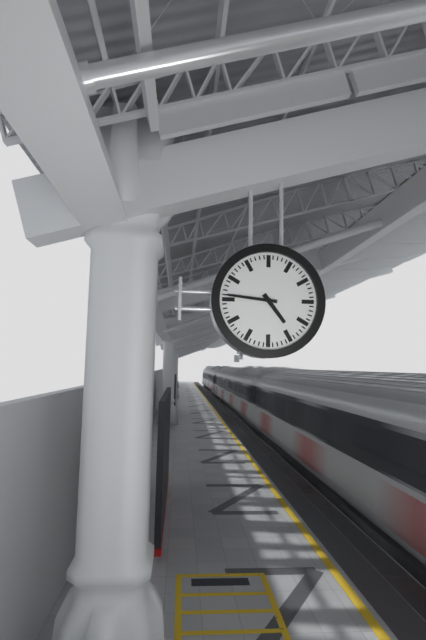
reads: 4,46
